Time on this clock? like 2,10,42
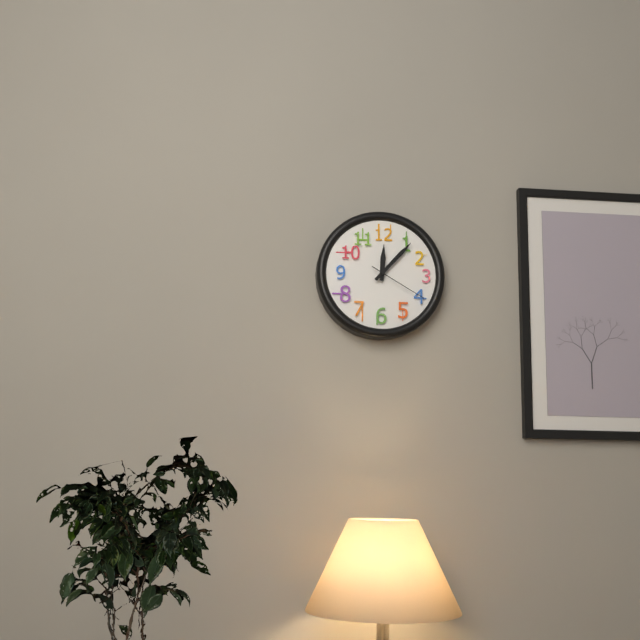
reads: 12,07,20
